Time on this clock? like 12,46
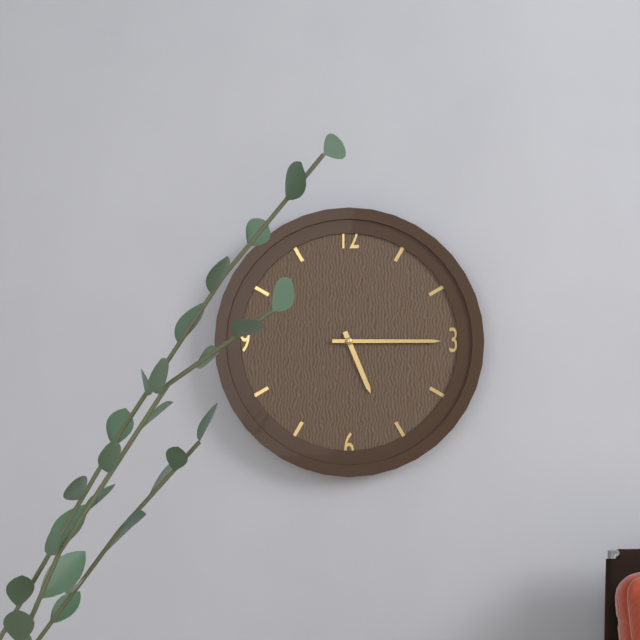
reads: 5,15
